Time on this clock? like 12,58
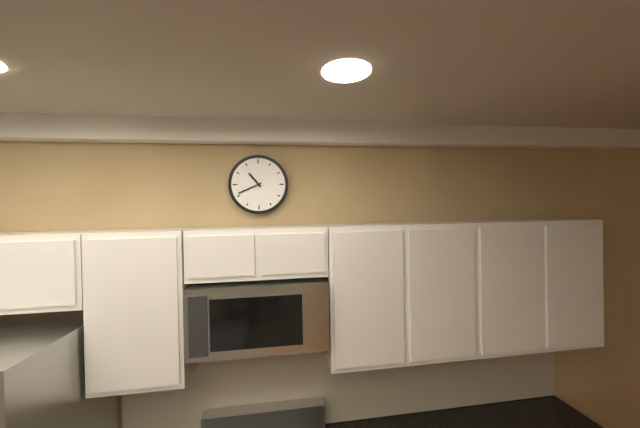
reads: 10,41
